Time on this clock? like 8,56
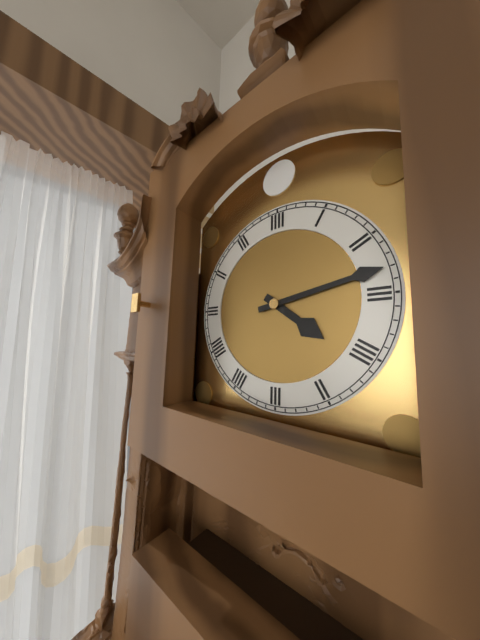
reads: 4,13
